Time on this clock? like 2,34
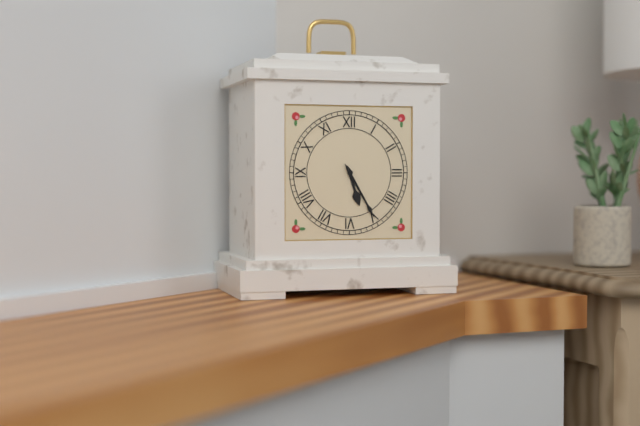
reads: 5,25
